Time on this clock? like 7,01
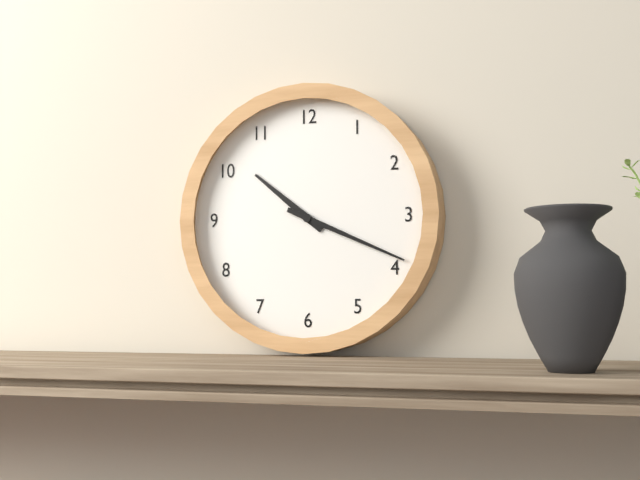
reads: 10,19
